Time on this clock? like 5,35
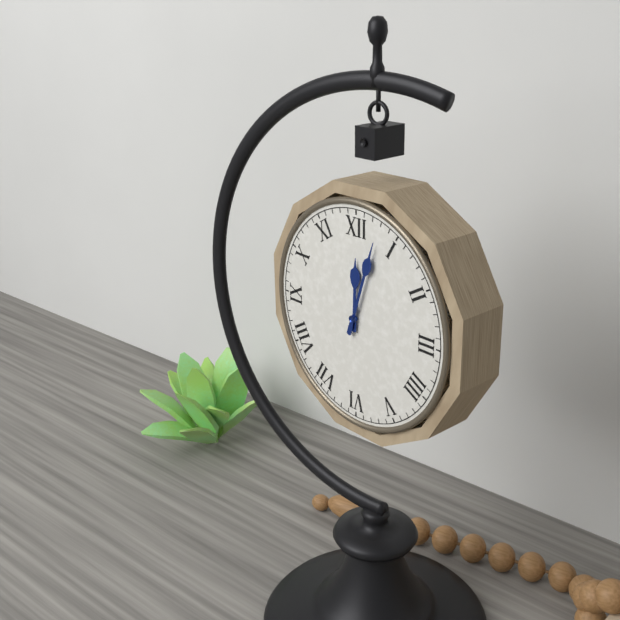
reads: 12,03
